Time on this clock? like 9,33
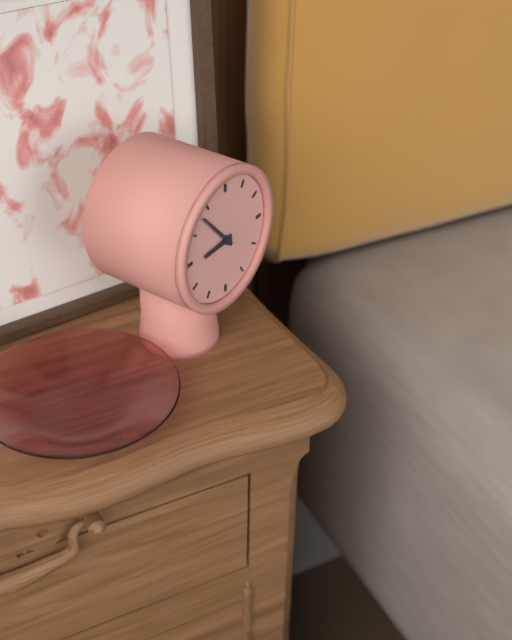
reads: 8,53
